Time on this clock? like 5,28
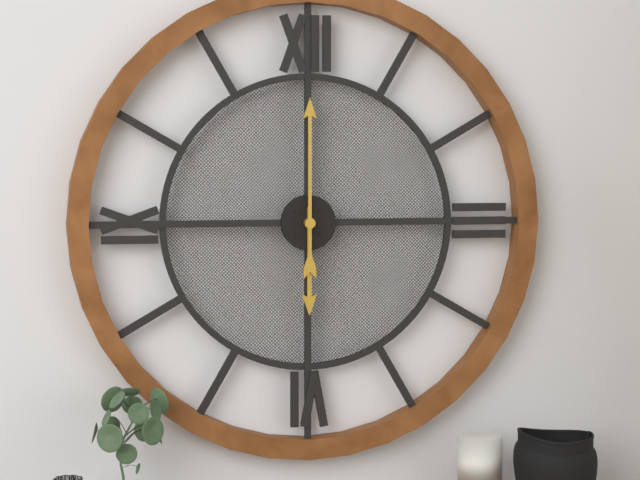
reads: 6,00
